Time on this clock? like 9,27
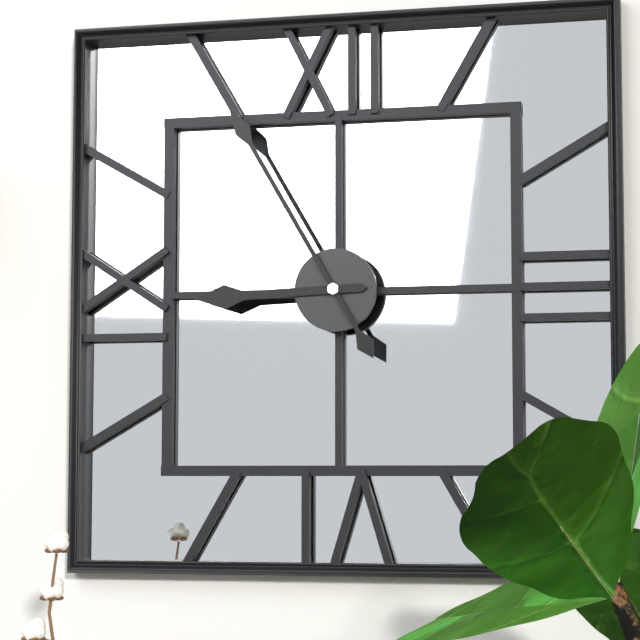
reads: 8,55
